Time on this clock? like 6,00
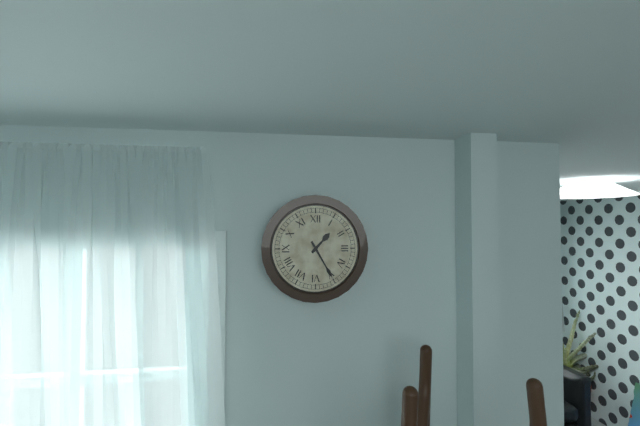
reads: 1,25
